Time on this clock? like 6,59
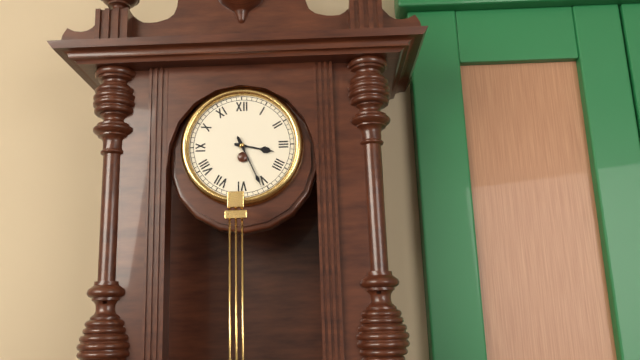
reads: 3,26
